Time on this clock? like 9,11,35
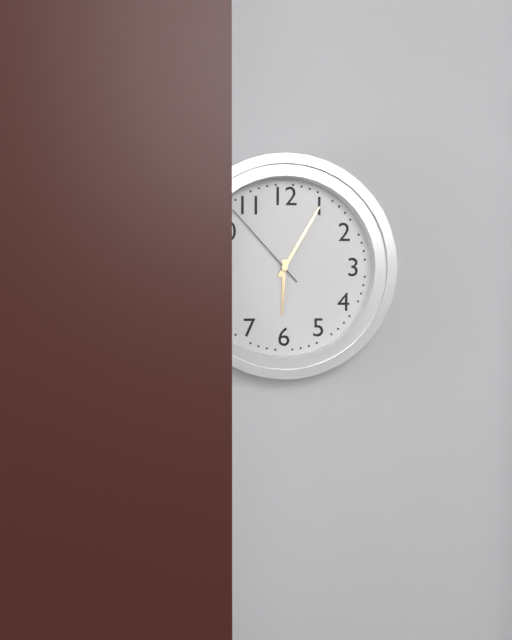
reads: 6,05,53
